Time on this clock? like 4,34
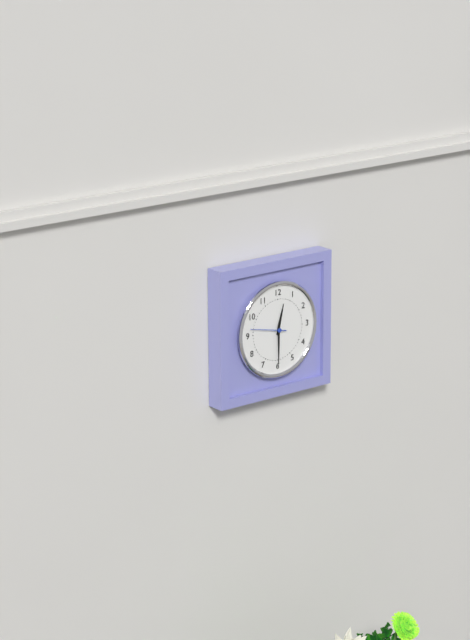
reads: 12,30
